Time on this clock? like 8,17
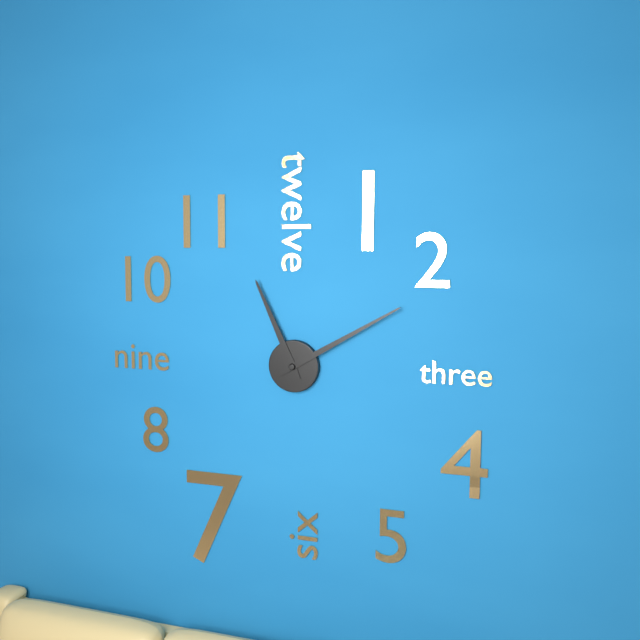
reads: 11,10
